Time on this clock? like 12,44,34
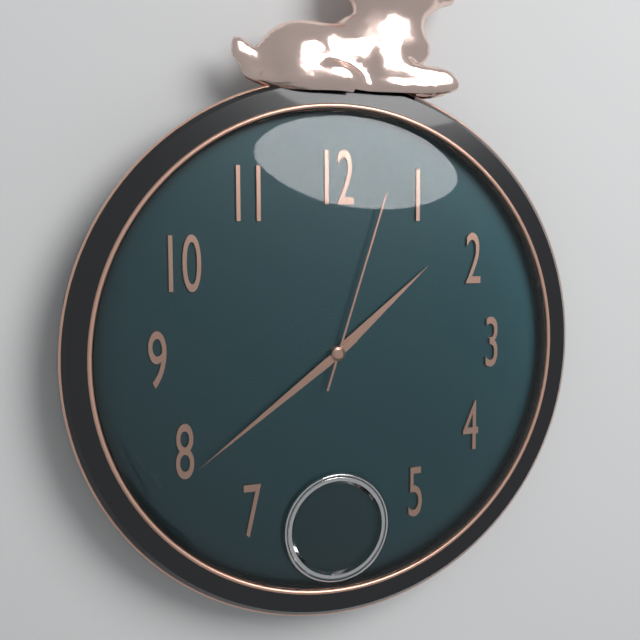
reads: 1,39,03
